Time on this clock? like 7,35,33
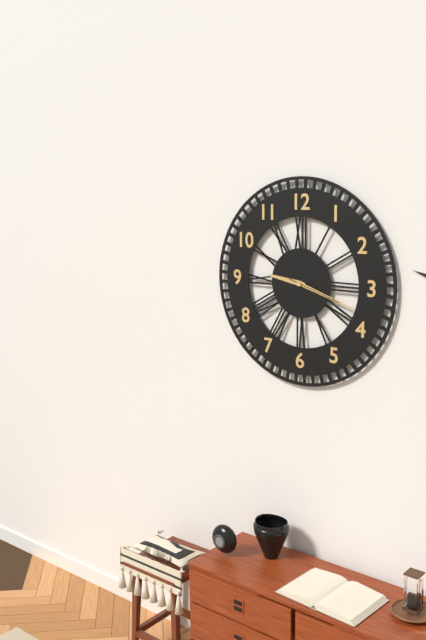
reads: 9,18,18
